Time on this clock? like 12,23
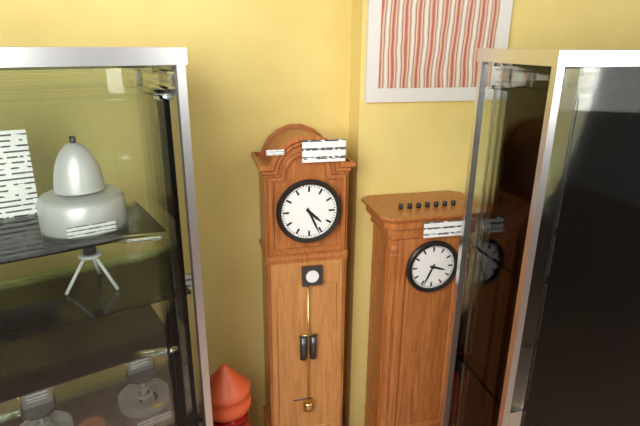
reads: 4,26
